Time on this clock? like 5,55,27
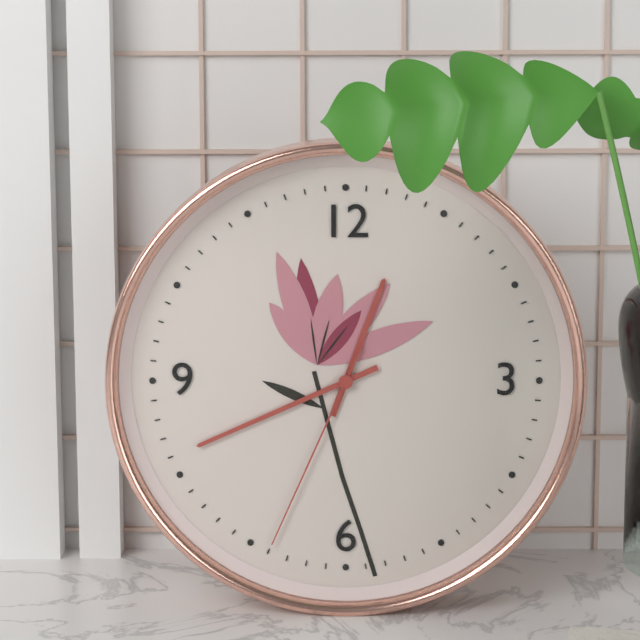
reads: 12,41,34
